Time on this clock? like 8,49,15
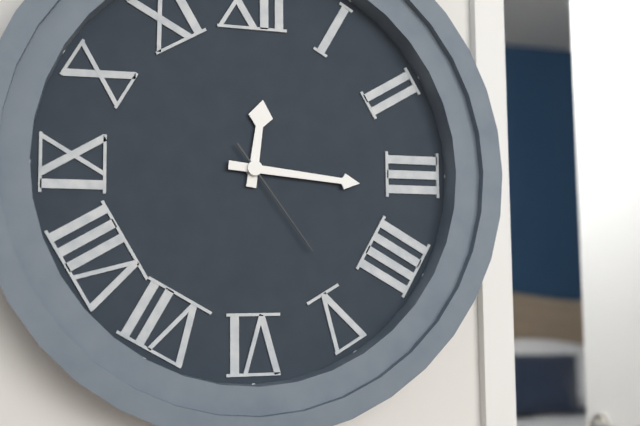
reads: 12,16,24
